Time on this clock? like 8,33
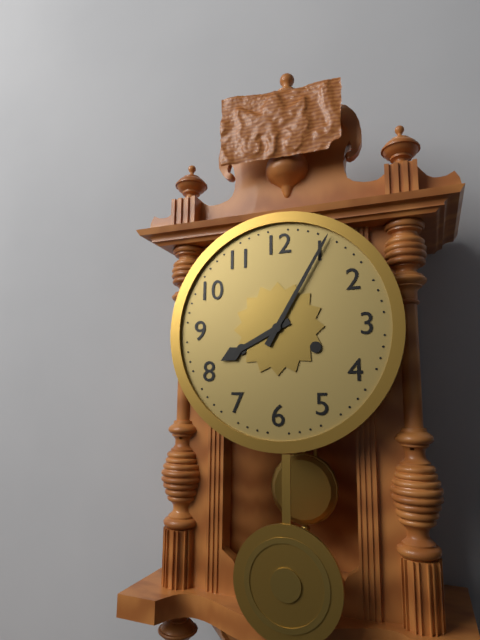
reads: 8,05
